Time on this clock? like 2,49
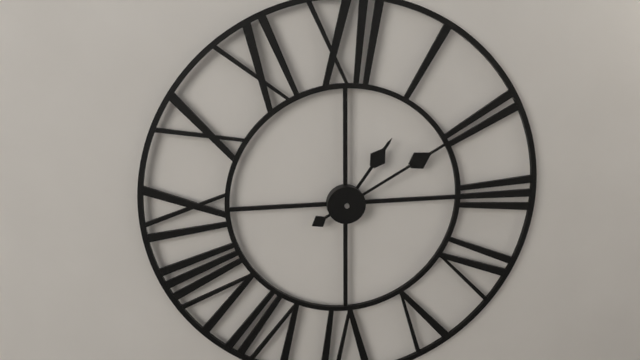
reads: 1,10
